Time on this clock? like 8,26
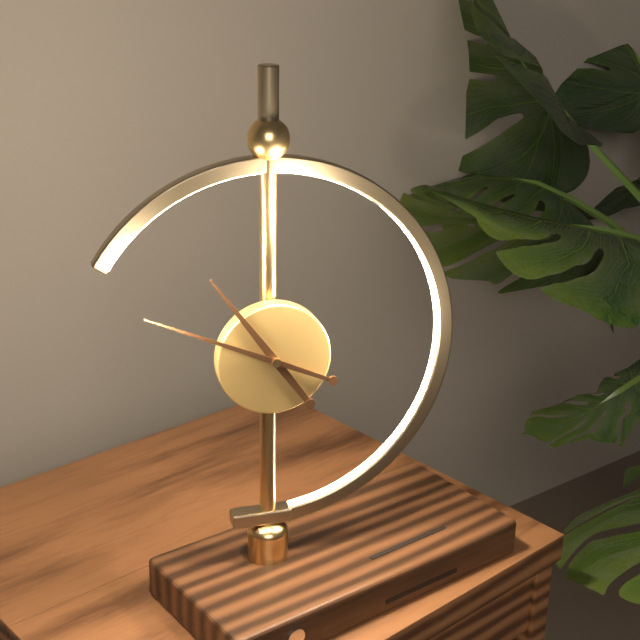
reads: 10,49
